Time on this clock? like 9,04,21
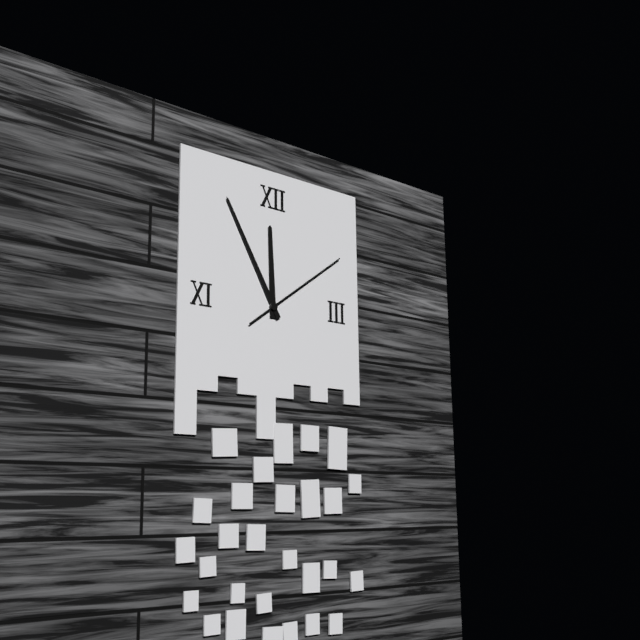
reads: 11,55,09
